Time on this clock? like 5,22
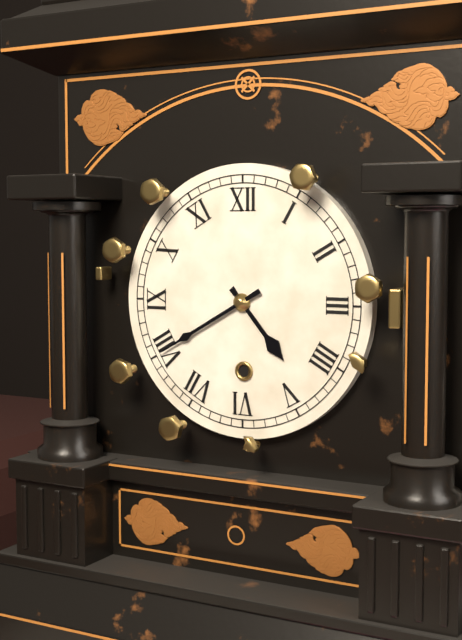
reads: 4,40
